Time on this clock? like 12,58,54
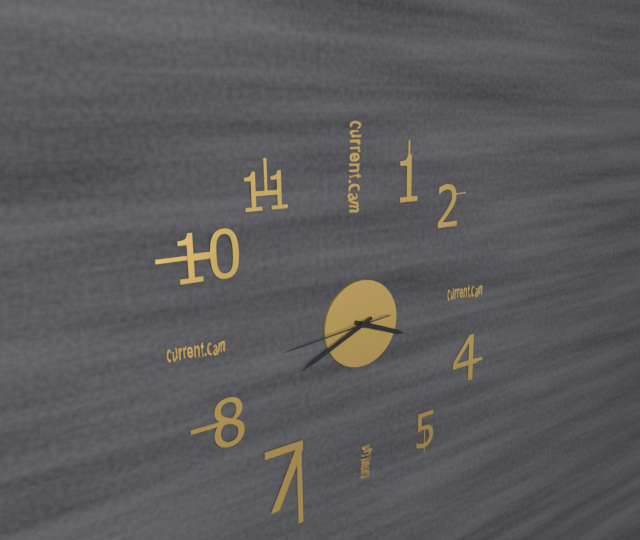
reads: 3,41,44
